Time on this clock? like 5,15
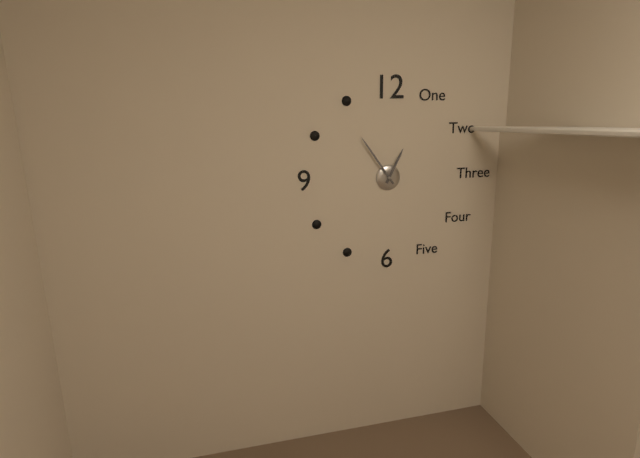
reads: 12,54
